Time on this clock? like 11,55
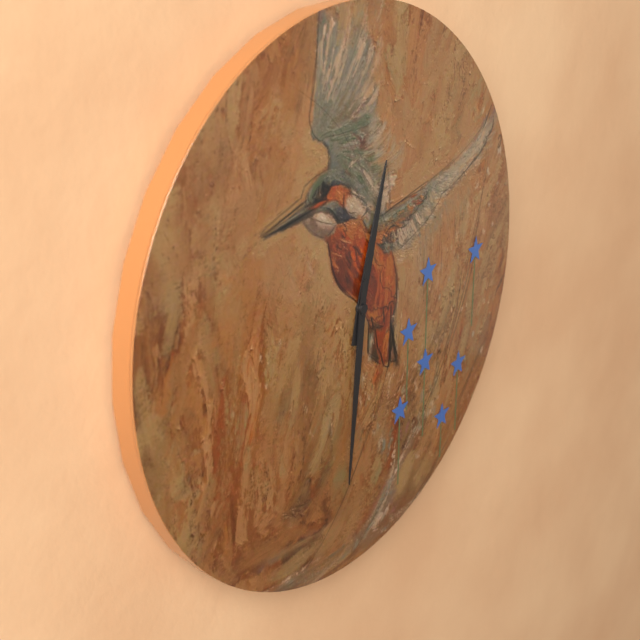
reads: 12,31
